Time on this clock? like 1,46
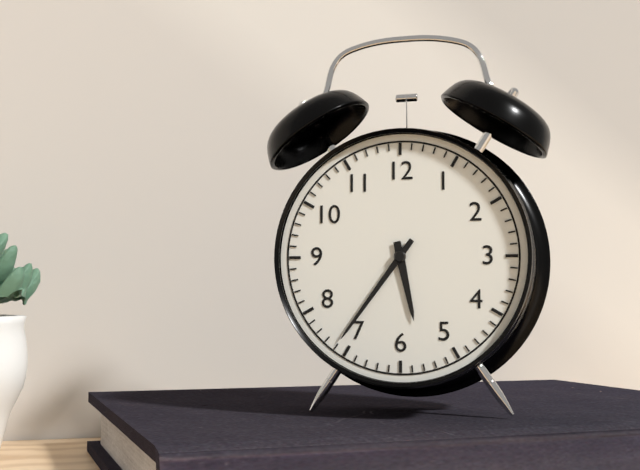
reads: 5,36
